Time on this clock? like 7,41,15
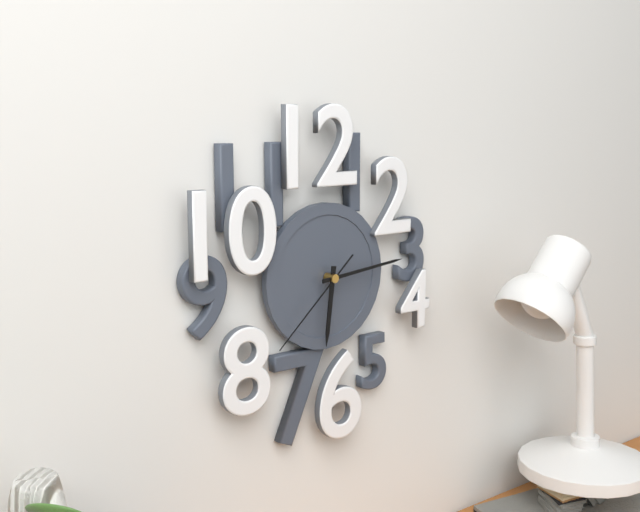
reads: 6,14,38
